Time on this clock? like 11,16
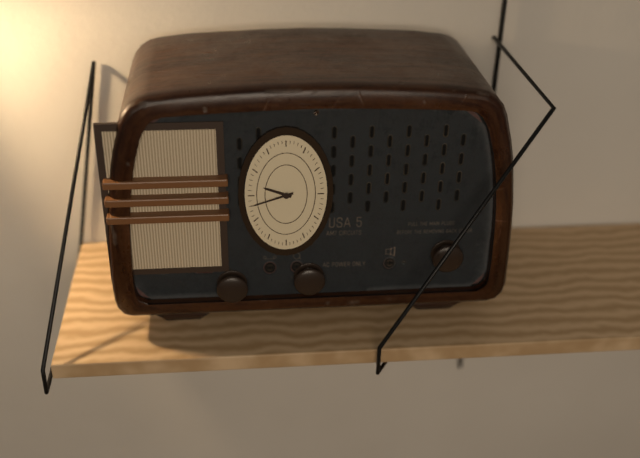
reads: 9,42
